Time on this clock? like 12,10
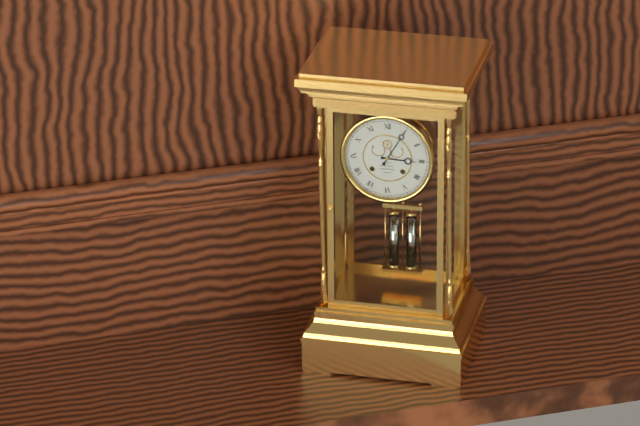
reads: 3,05
